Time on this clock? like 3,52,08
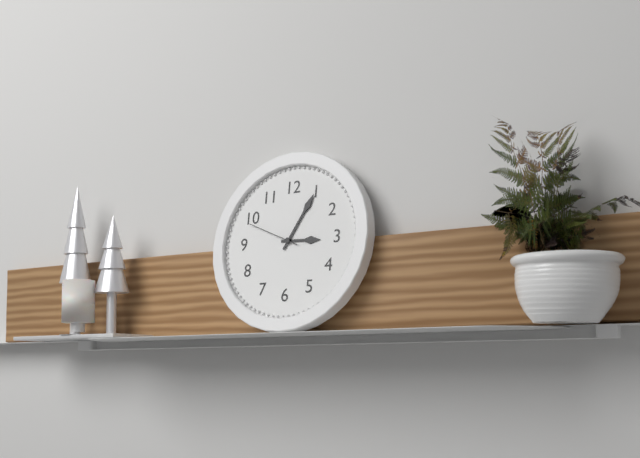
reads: 3,05,49
